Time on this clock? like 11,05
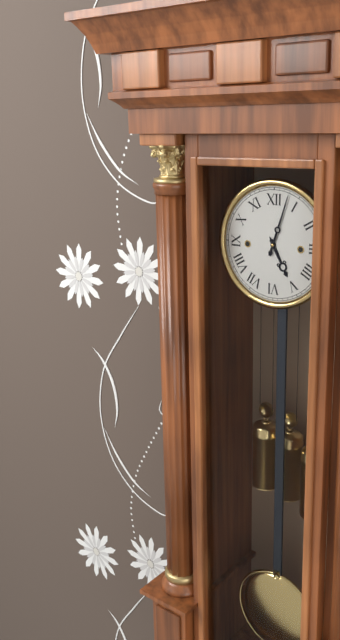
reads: 5,03
